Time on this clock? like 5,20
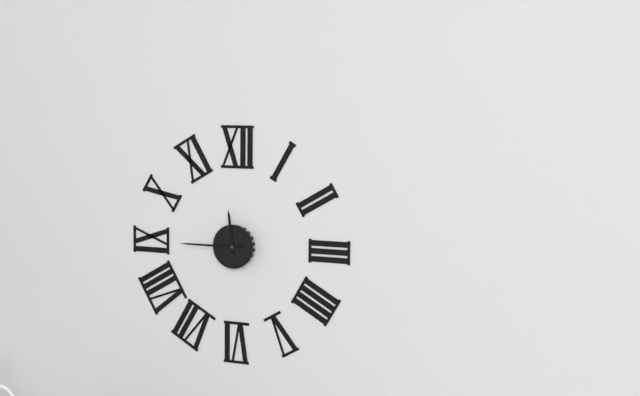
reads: 11,45
